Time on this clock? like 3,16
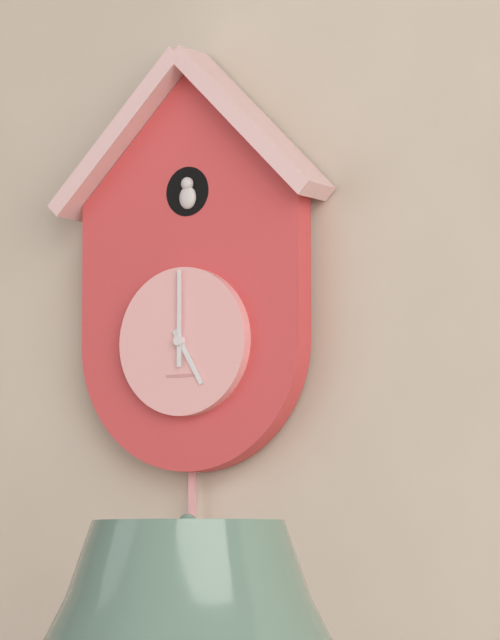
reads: 5,00
